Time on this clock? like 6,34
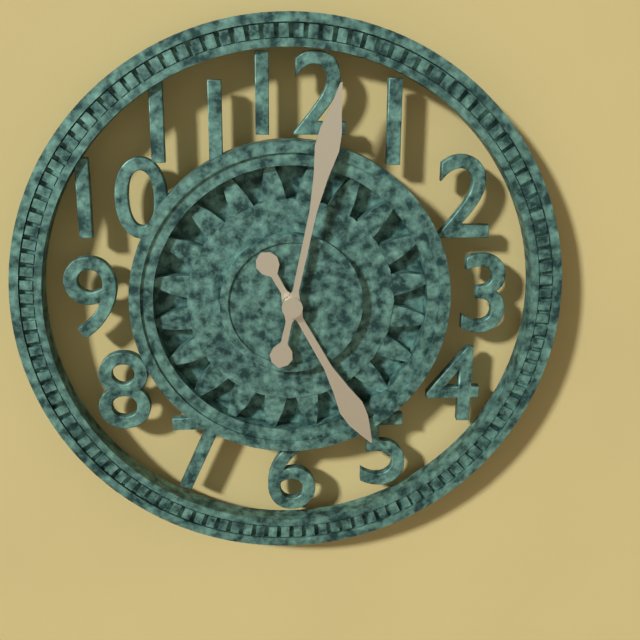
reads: 5,02
